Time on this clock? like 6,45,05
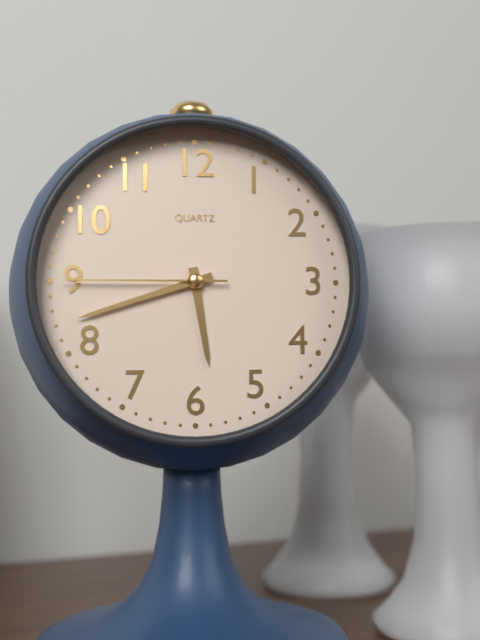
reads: 5,42,45
